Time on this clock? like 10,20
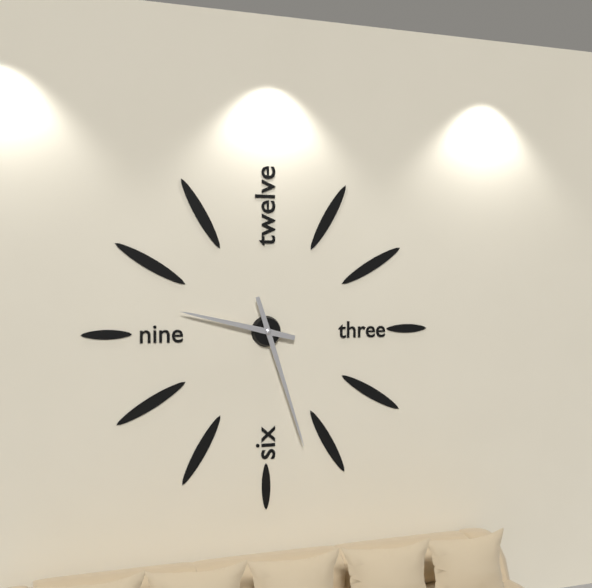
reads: 9,27
